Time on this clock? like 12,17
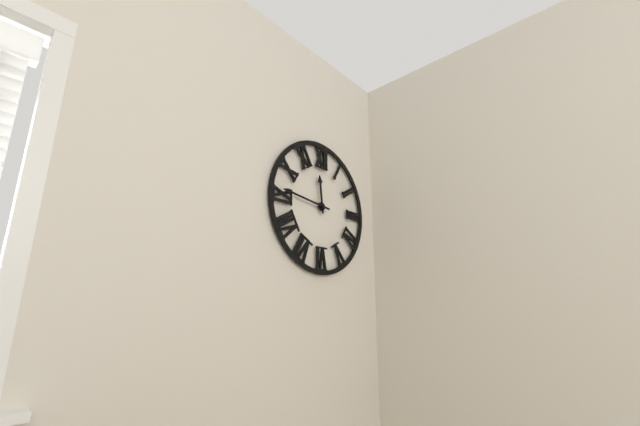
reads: 11,46
